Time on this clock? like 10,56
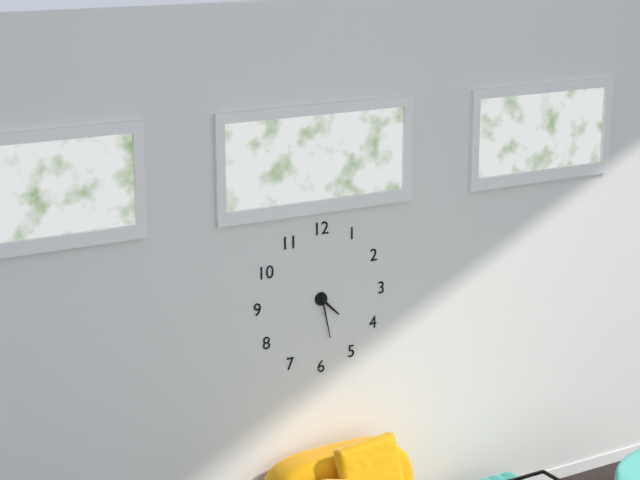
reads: 4,28
